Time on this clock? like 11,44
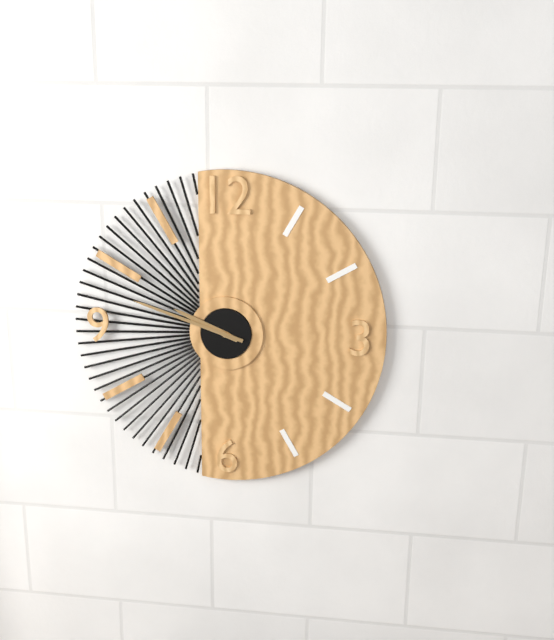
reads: 9,48
